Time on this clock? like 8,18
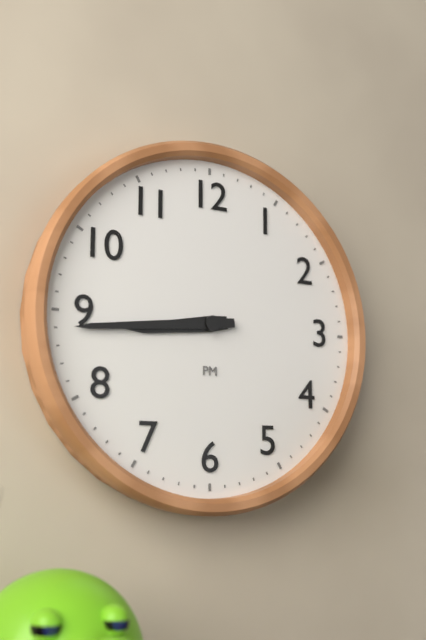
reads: 8,44
